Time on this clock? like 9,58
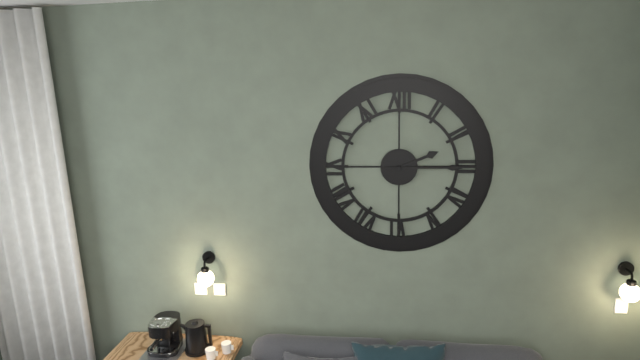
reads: 2,15
